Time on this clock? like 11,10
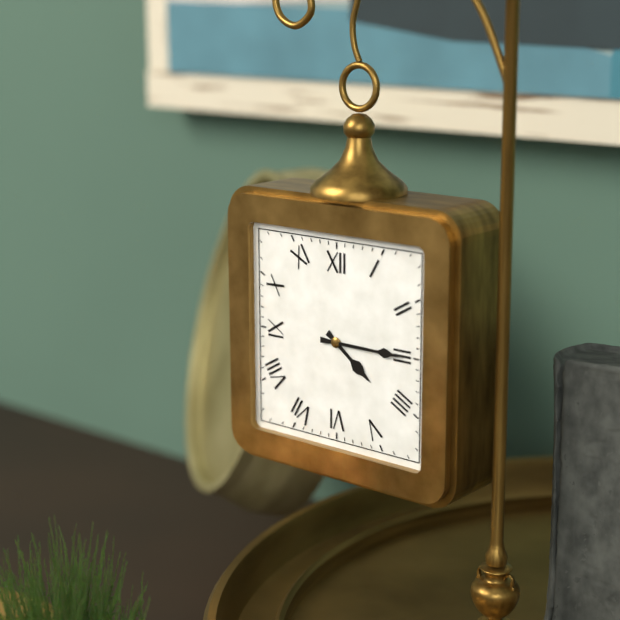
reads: 4,15
